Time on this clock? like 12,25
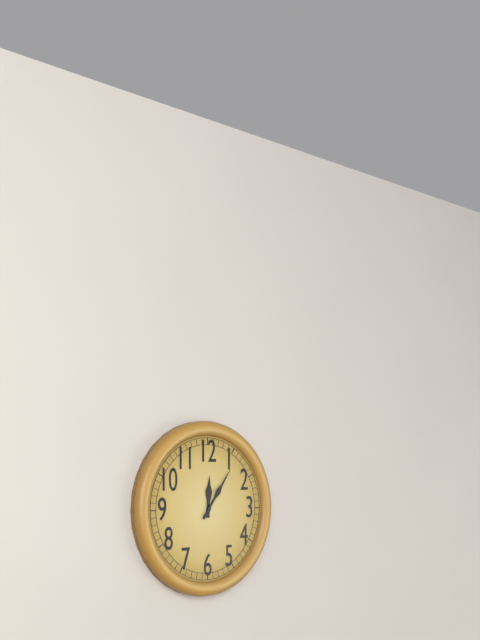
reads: 12,06
